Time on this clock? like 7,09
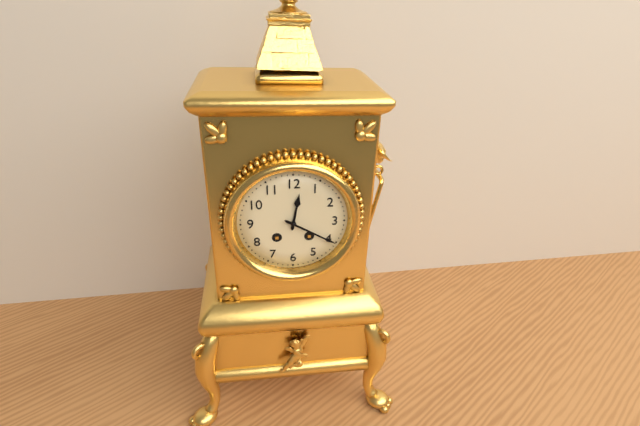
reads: 12,20
